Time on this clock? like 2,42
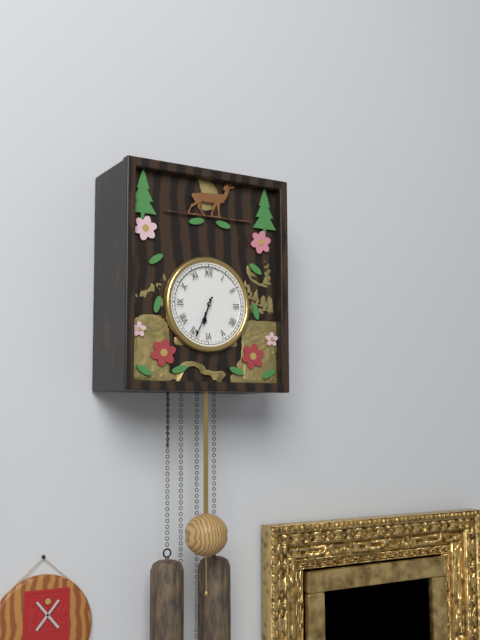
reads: 6,34
